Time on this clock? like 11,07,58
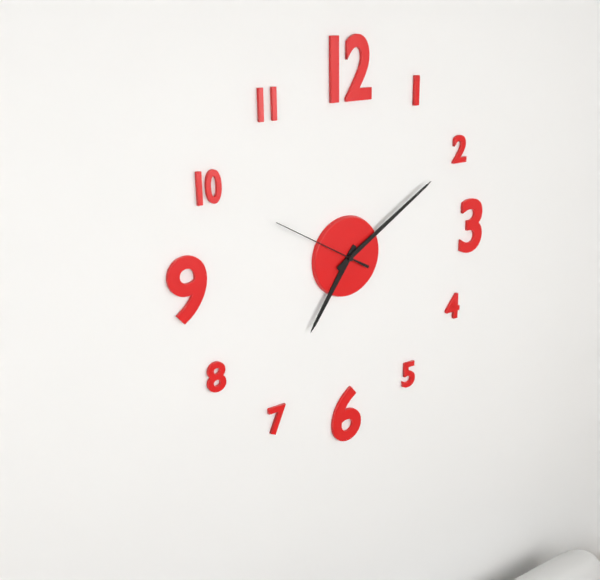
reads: 7,10,50
